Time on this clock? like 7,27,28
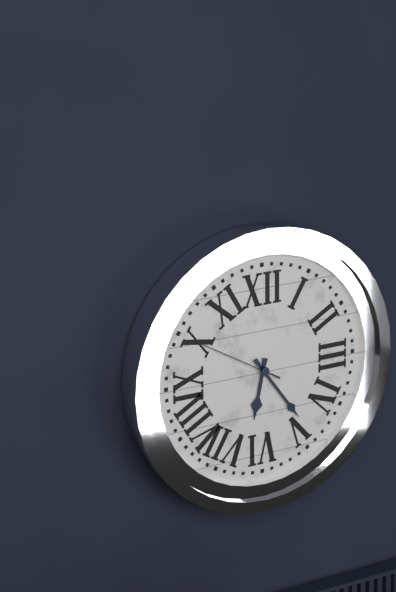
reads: 6,24,50
